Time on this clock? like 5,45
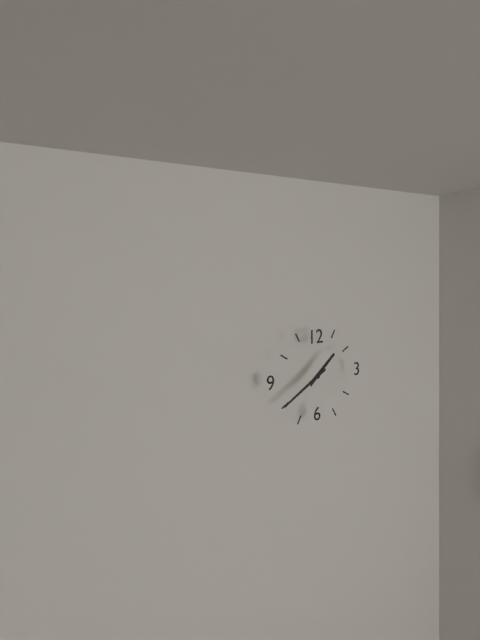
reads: 1,40
